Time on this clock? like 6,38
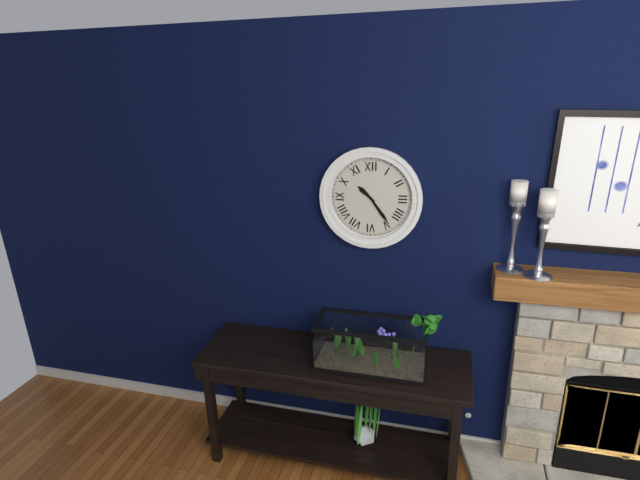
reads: 10,24
